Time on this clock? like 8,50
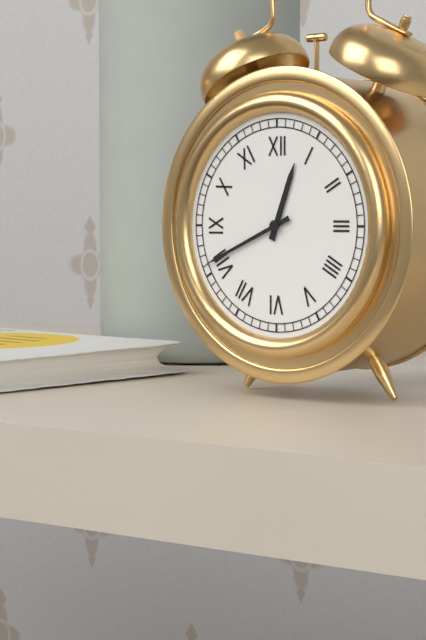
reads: 12,41
